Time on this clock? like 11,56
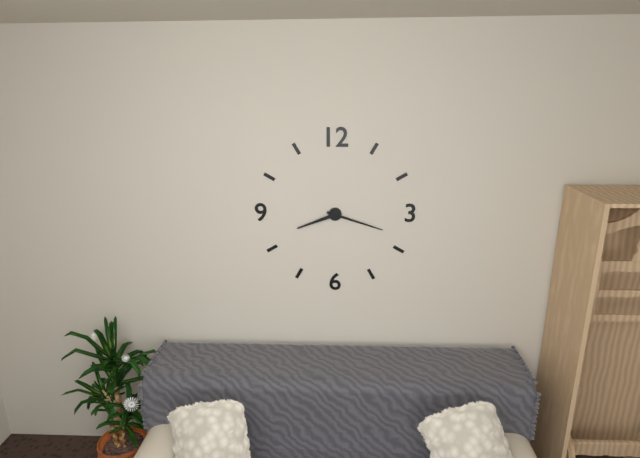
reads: 8,18
